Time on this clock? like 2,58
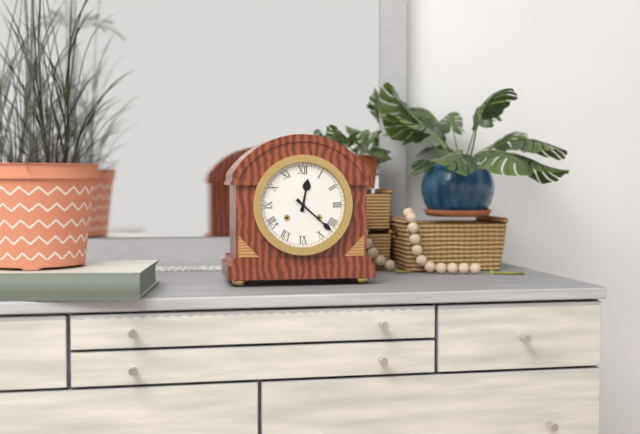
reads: 12,22
